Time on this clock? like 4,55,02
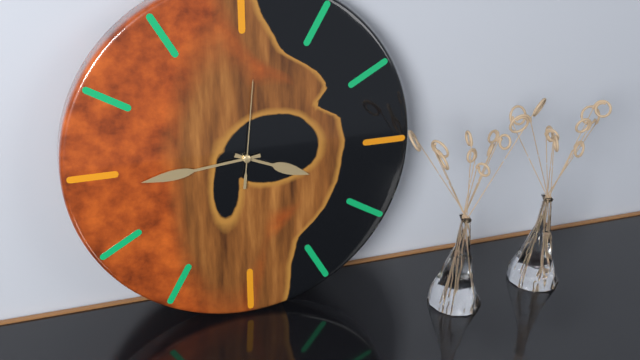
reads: 3,44,01
